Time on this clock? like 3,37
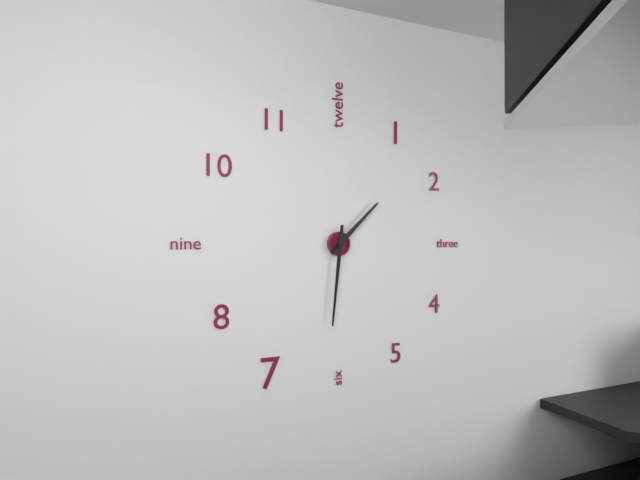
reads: 1,31
